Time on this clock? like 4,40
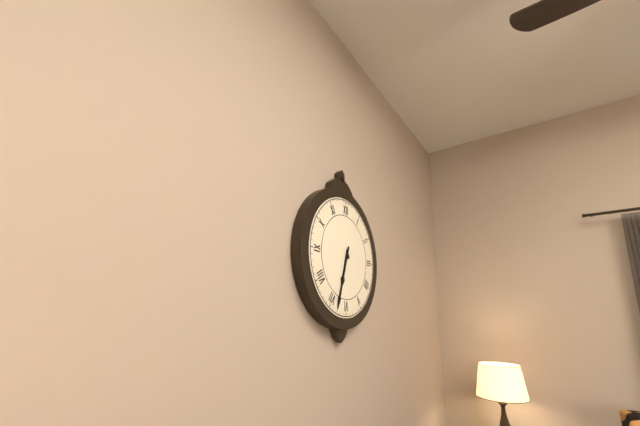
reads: 6,33
